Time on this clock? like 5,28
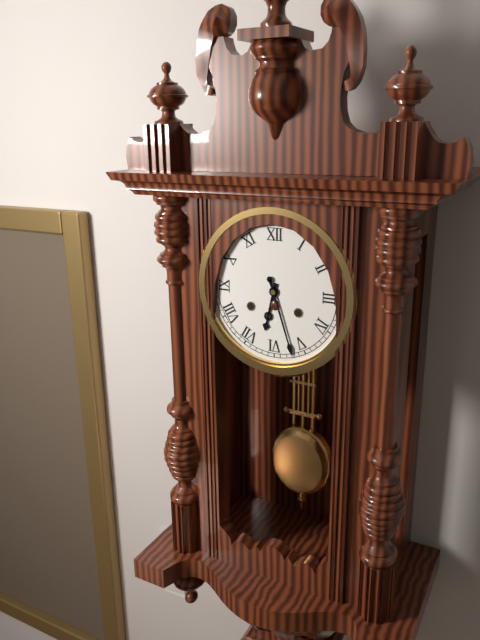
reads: 6,27
